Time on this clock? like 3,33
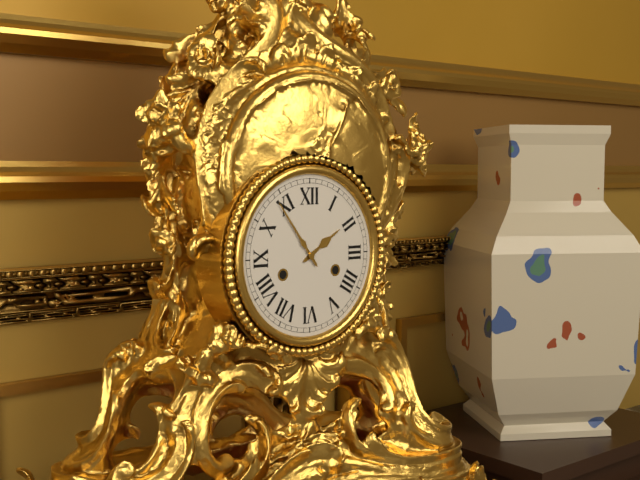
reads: 1,54
